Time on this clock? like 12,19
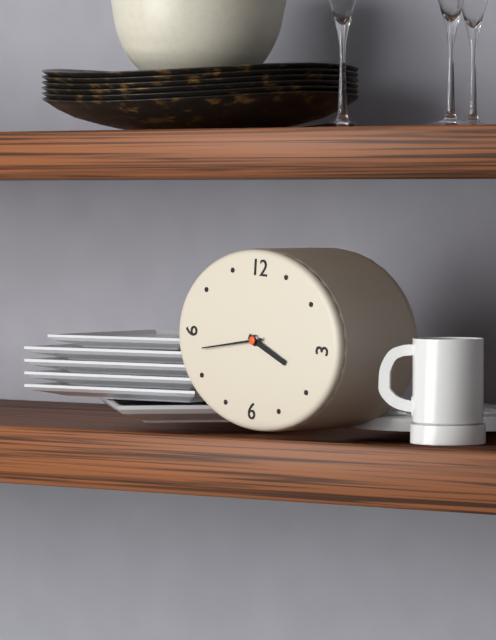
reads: 3,43
